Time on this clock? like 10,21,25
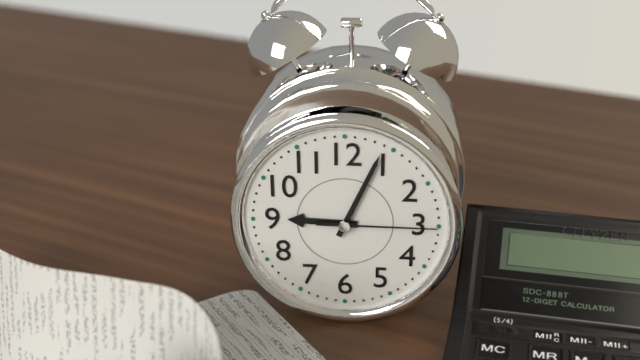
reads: 9,04,15
